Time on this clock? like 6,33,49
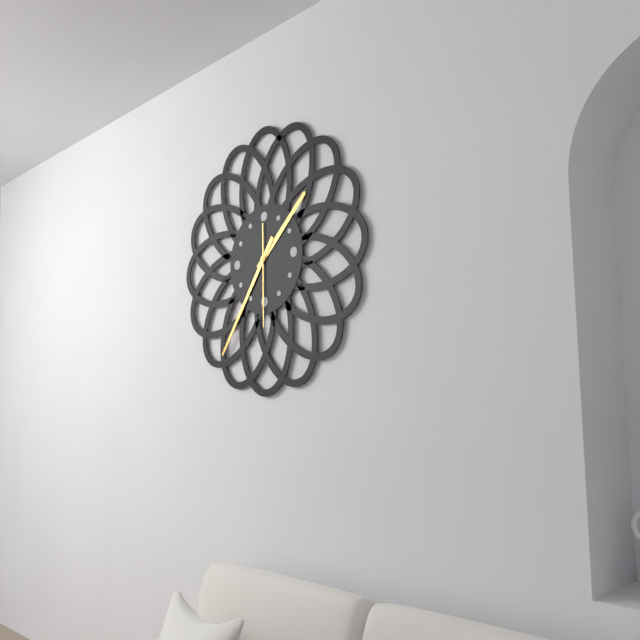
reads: 1,36,30
